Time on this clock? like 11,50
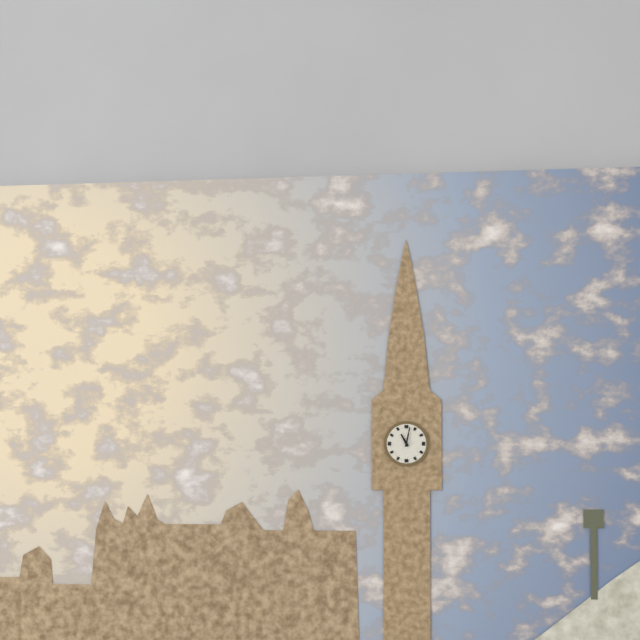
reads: 11,02
